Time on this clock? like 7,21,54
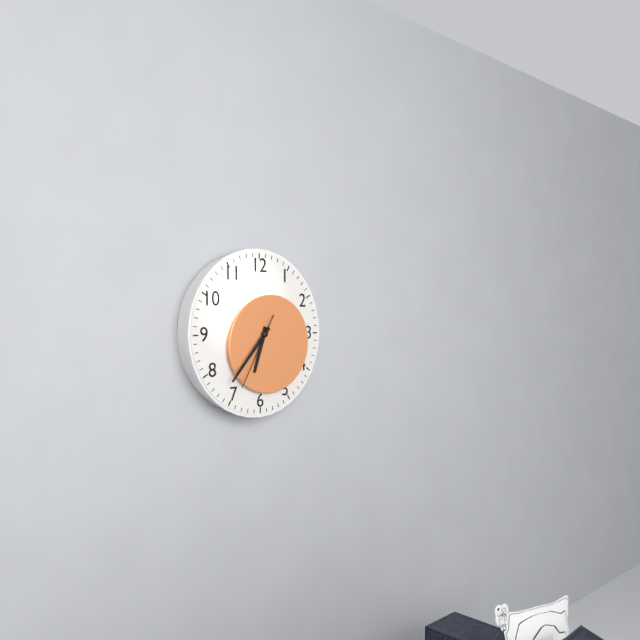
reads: 6,37,35
